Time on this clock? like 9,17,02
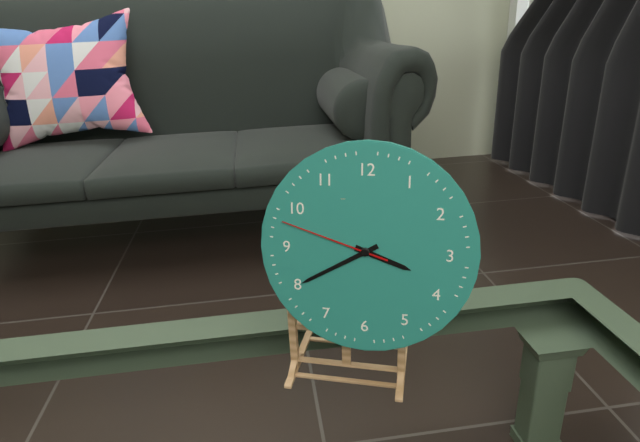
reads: 3,40,48
